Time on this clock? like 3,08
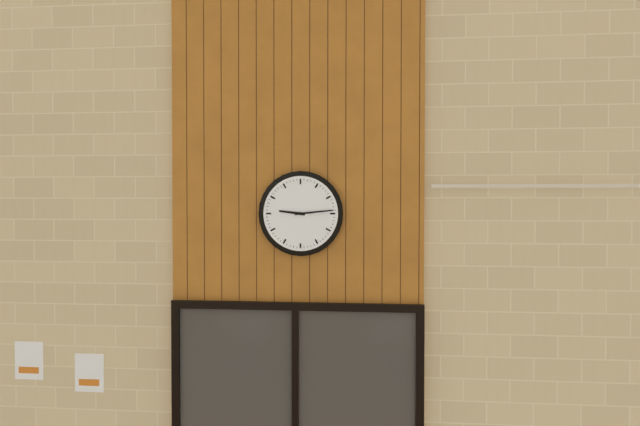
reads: 9,14
